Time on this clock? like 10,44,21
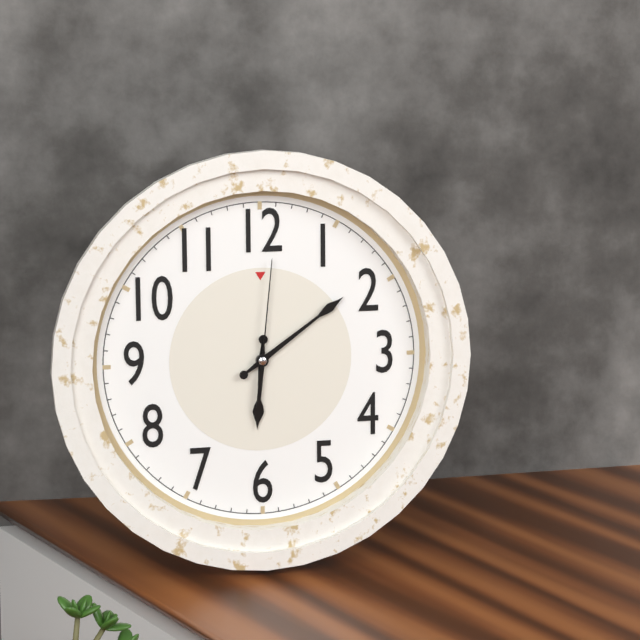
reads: 6,09,01
